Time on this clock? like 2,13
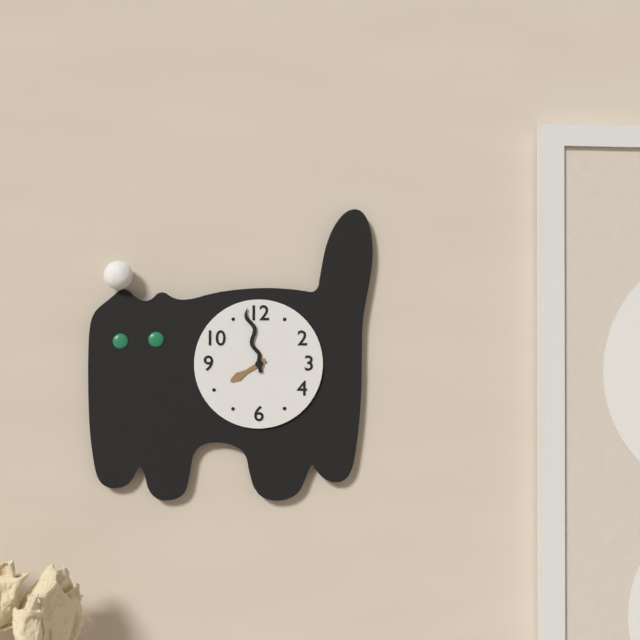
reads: 7,58
